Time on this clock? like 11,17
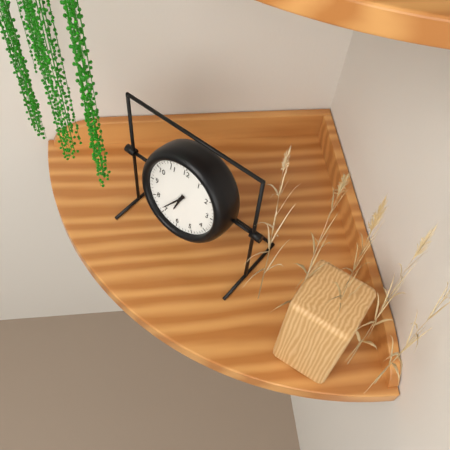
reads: 6,36
